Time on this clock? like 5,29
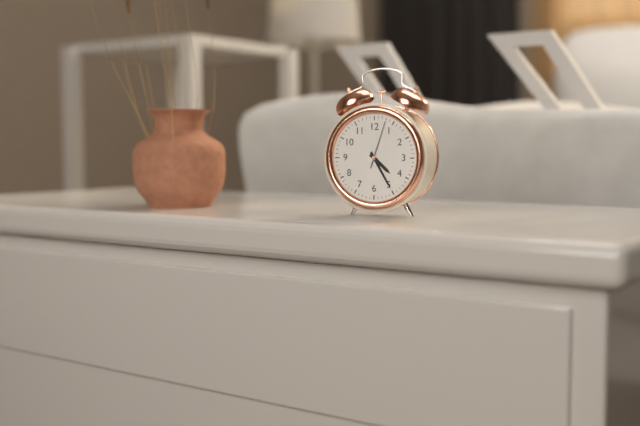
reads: 4,25
